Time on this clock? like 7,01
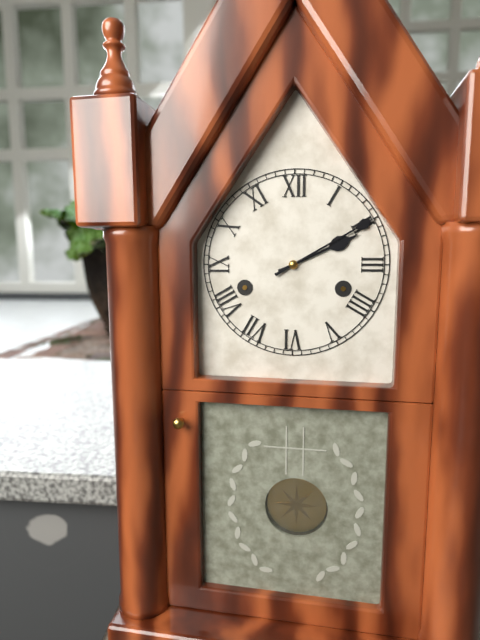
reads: 2,10
